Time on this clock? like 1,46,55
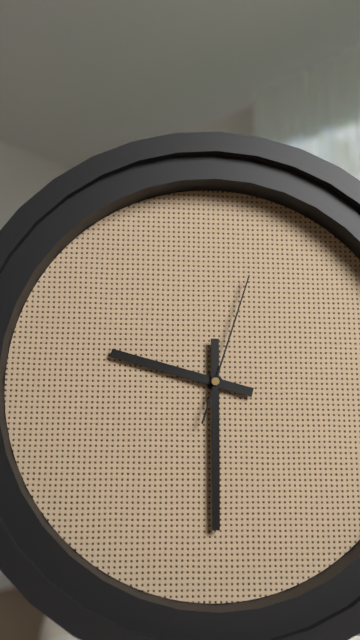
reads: 9,30,03
